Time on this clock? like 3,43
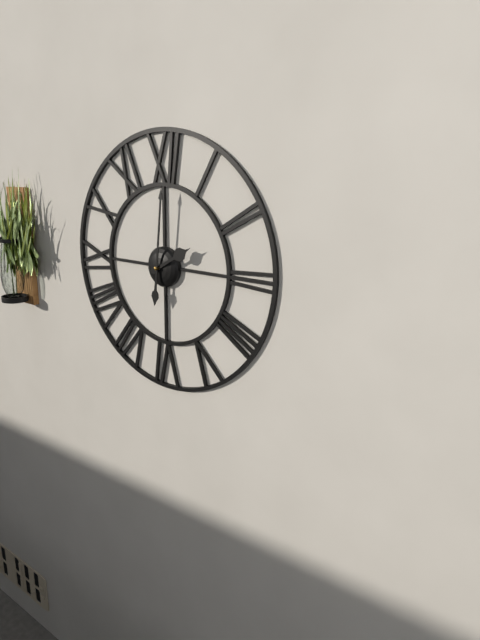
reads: 2,01
